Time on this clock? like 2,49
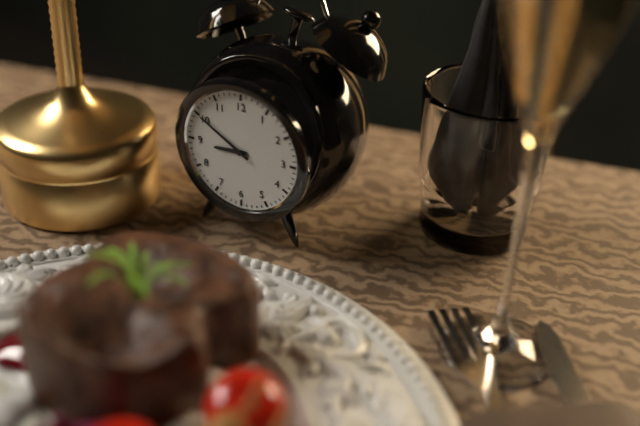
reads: 8,50
